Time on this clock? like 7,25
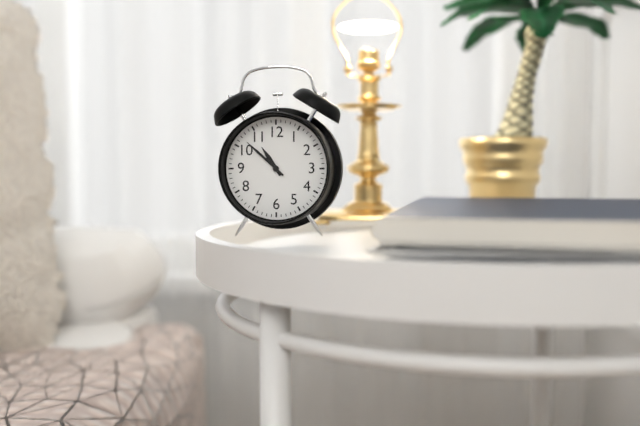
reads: 10,52
